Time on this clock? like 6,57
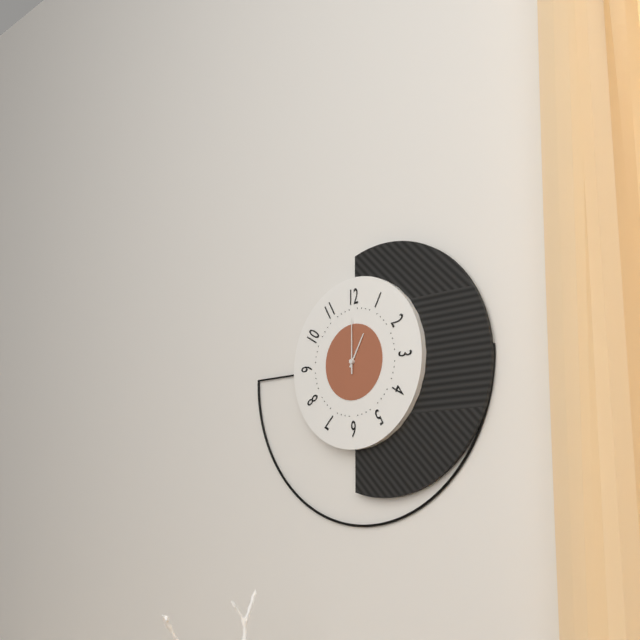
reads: 1,00
